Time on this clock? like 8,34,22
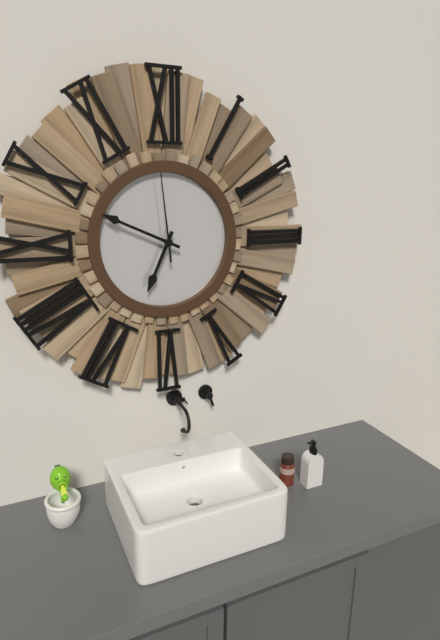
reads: 6,49,59
